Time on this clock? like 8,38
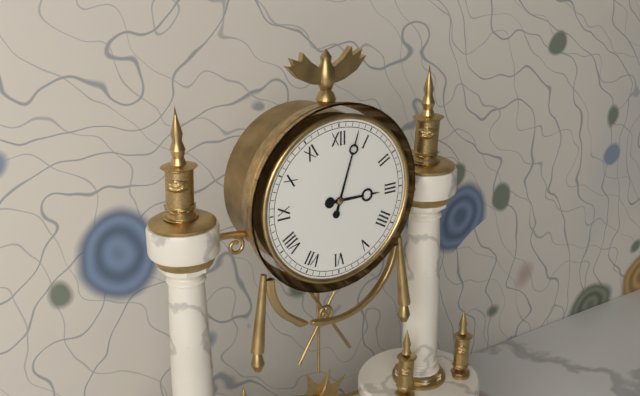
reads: 3,03
